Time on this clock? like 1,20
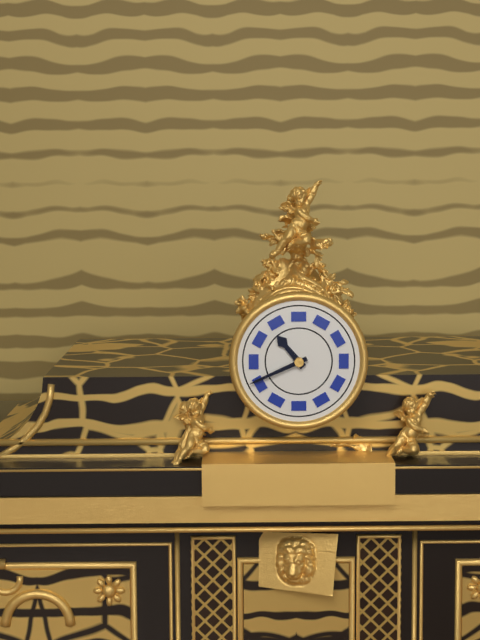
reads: 10,41
